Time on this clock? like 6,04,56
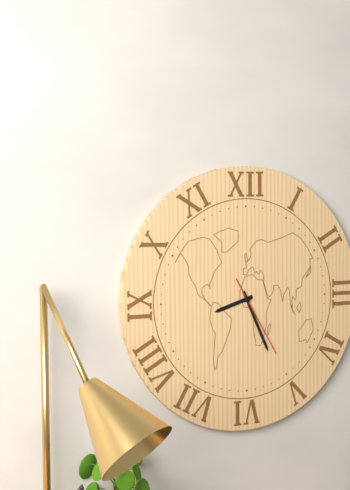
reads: 8,26,25
